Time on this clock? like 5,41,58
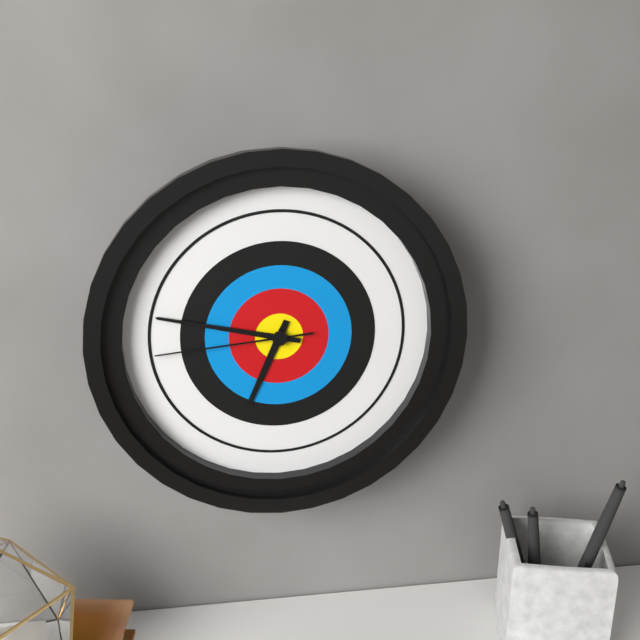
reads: 6,47,44
